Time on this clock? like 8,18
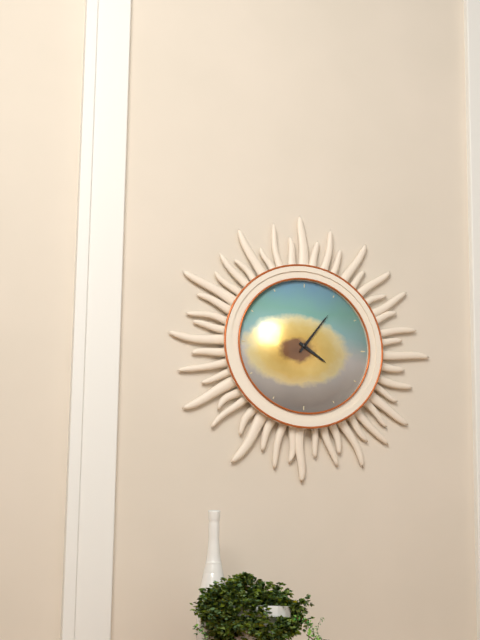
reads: 4,06
